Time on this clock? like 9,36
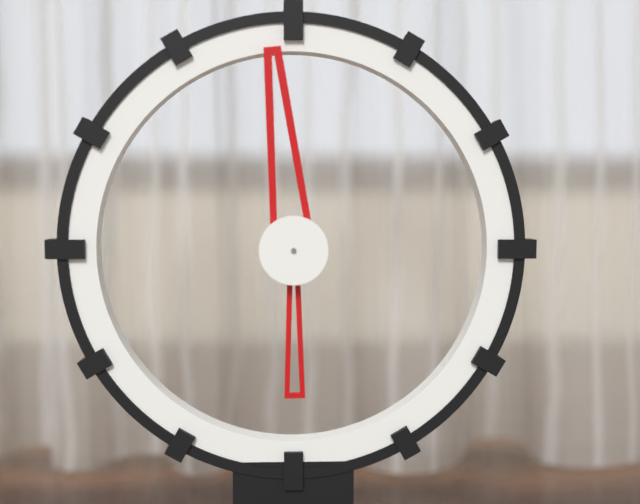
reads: 5,59
